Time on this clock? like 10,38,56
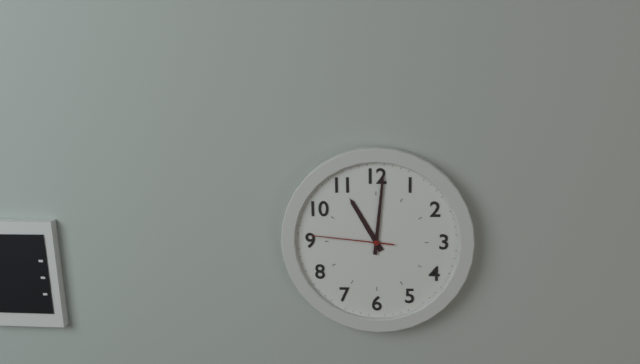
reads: 11,01,46
